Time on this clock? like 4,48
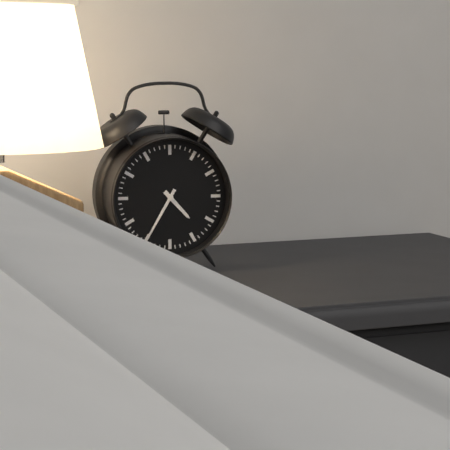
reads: 4,35
